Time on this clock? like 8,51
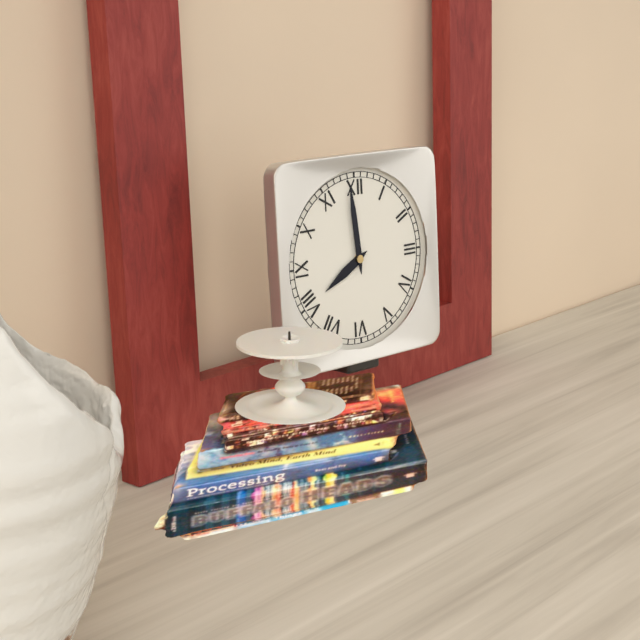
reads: 7,59
